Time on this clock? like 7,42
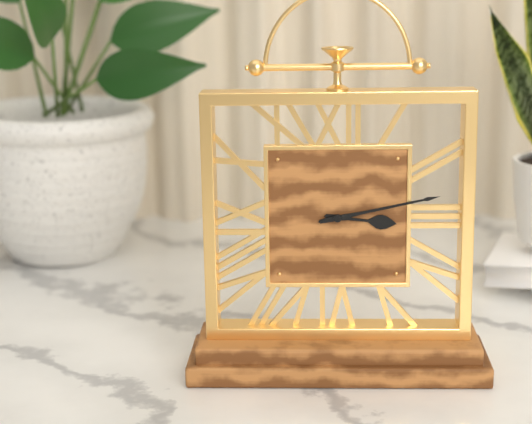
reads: 3,13
